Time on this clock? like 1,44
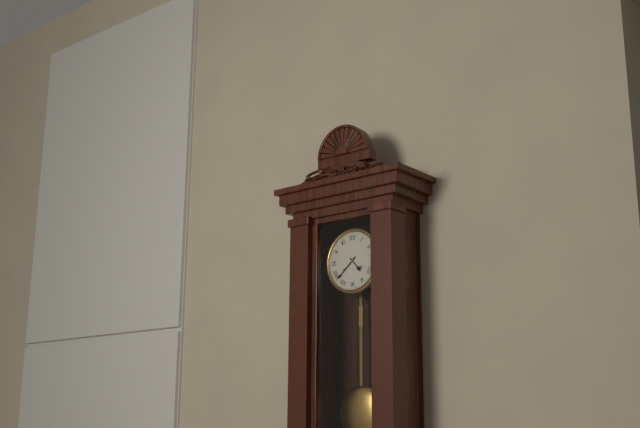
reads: 4,38
